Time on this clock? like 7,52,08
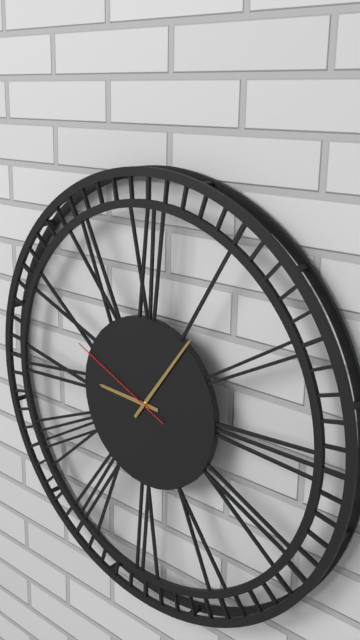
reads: 9,06,49
